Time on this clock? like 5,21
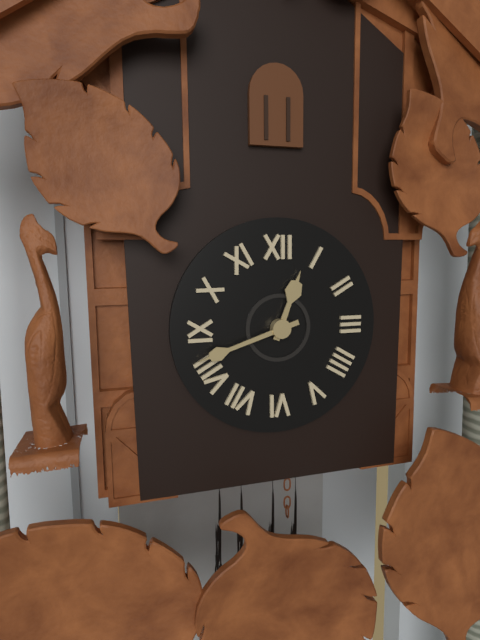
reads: 12,42
